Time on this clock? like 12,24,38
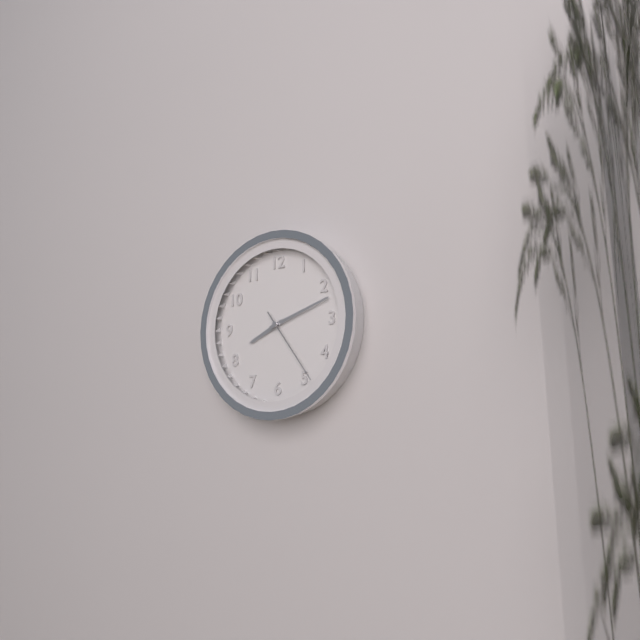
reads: 8,12,24
